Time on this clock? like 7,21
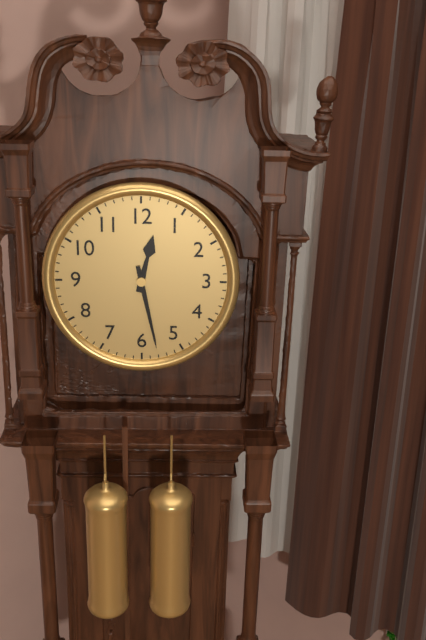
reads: 12,28
